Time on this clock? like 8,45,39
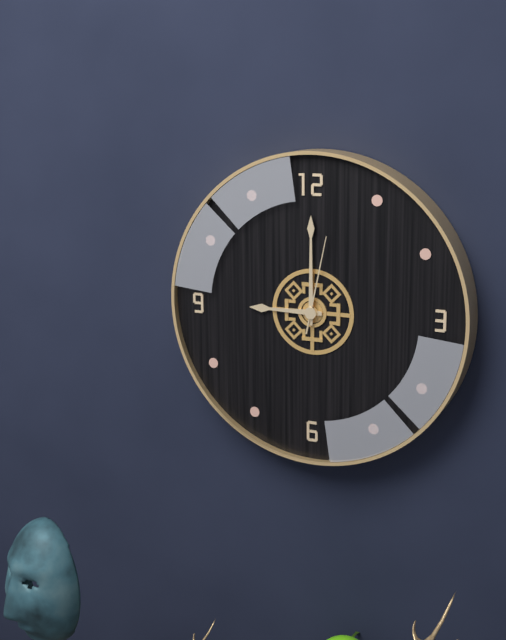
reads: 9,00,02
